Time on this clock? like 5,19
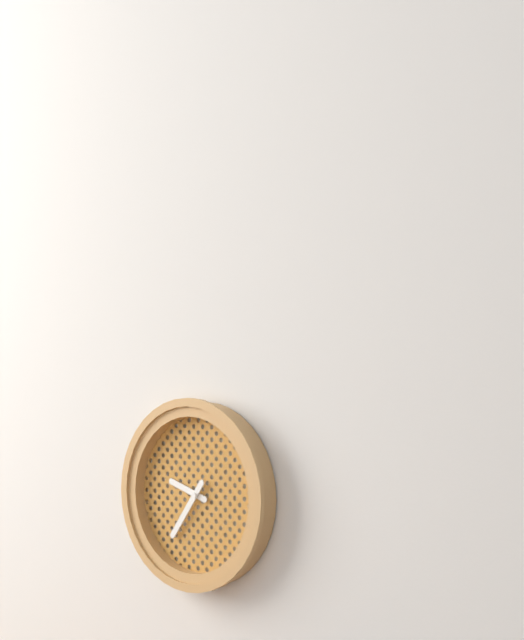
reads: 9,36
